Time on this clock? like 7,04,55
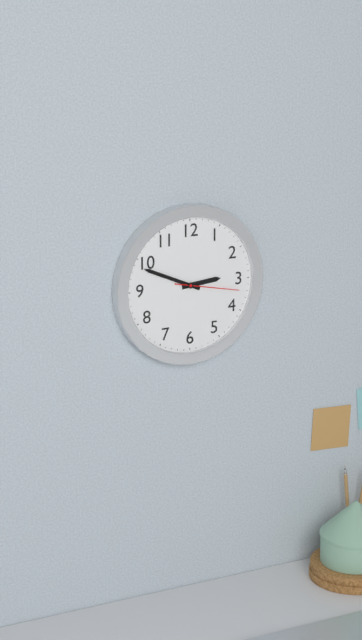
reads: 2,49,17
